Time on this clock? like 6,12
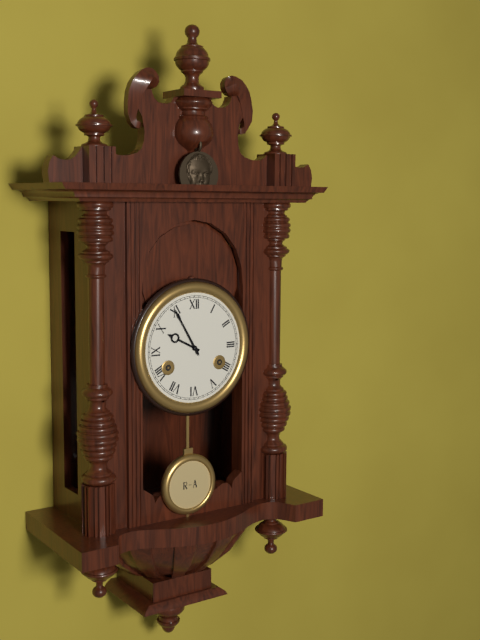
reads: 9,55
